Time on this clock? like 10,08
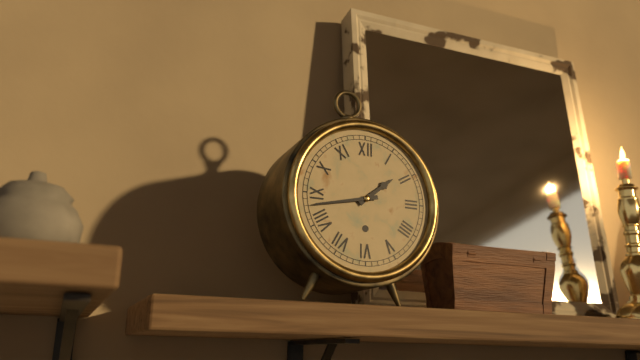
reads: 1,43
